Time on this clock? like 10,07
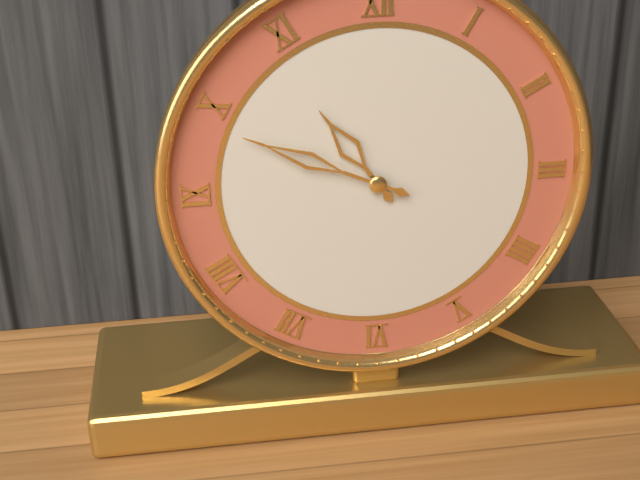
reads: 10,49
